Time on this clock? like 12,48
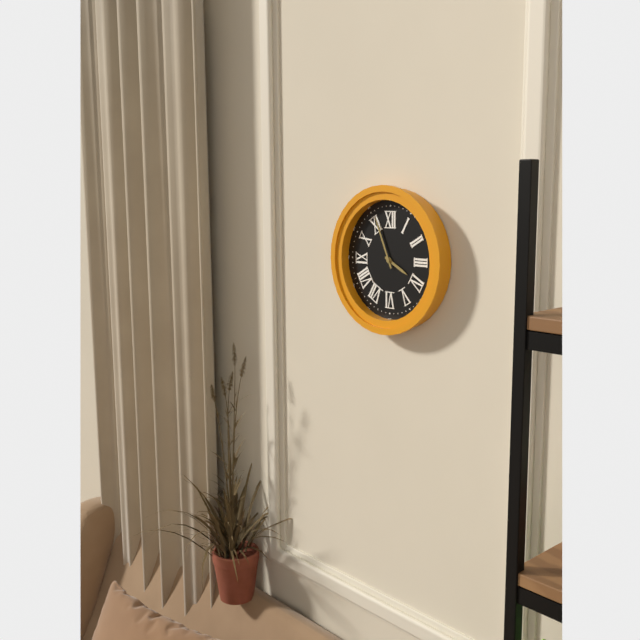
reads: 3,56
